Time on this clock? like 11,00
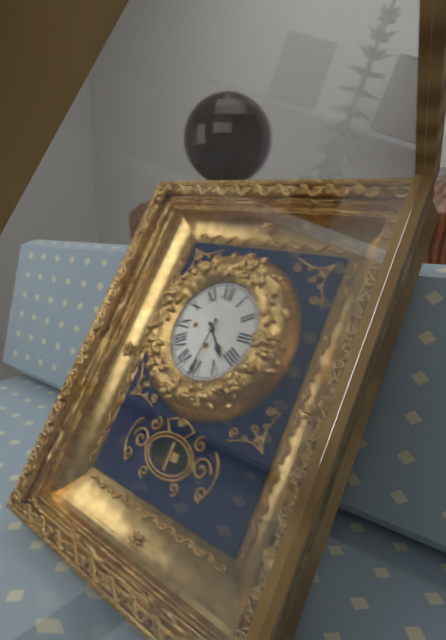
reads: 4,31
